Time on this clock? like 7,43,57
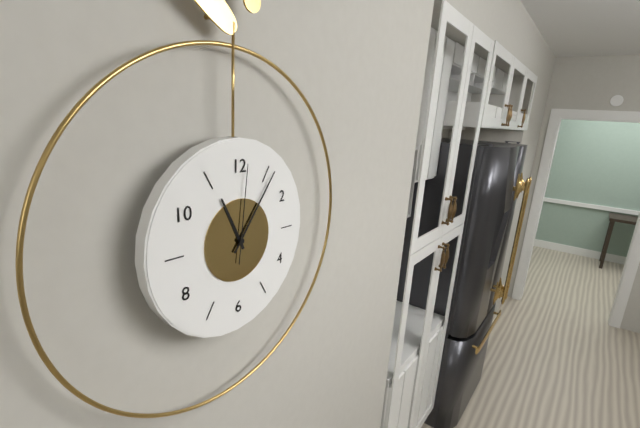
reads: 11,06,01
